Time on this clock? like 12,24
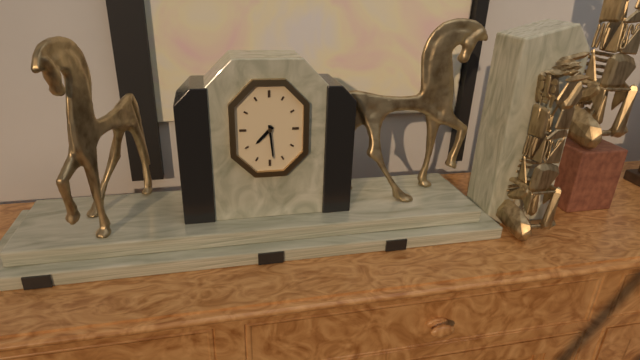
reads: 7,29
